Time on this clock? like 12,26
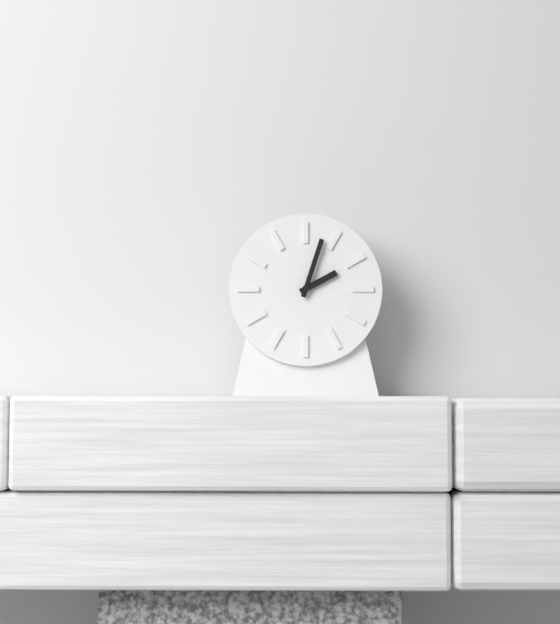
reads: 2,03
